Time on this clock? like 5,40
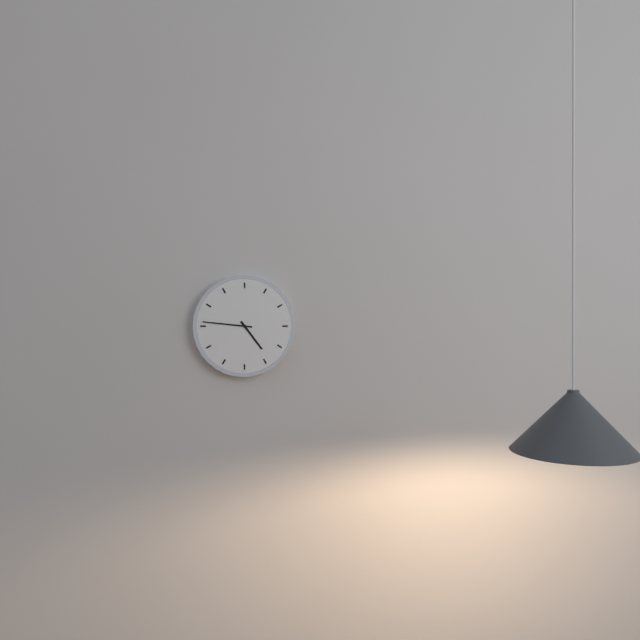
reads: 4,46
